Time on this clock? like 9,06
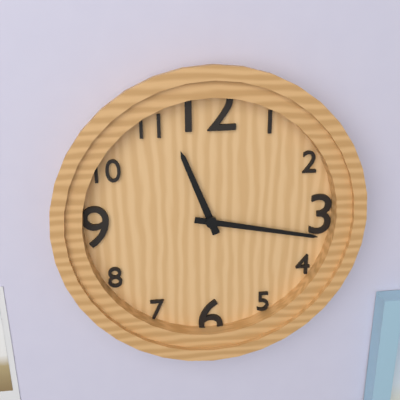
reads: 11,17
